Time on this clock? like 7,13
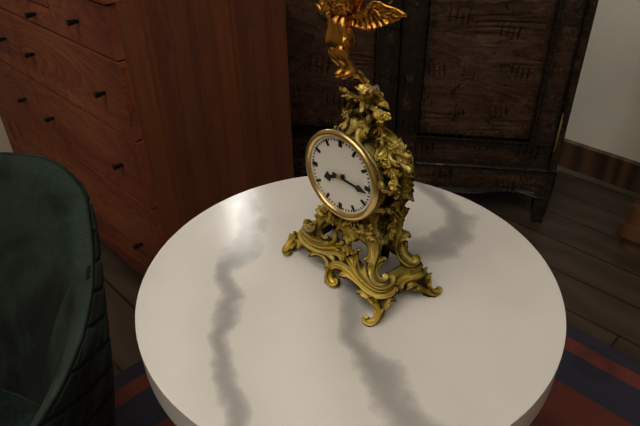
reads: 8,16
